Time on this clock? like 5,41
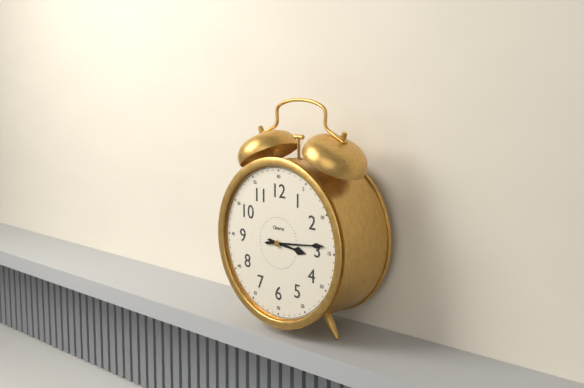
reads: 3,14
